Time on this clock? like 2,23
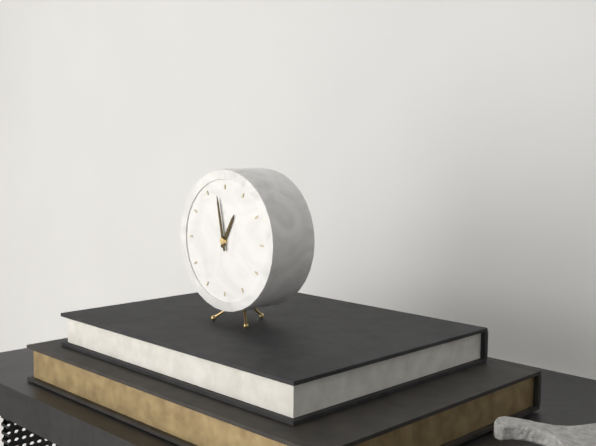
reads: 12,58
